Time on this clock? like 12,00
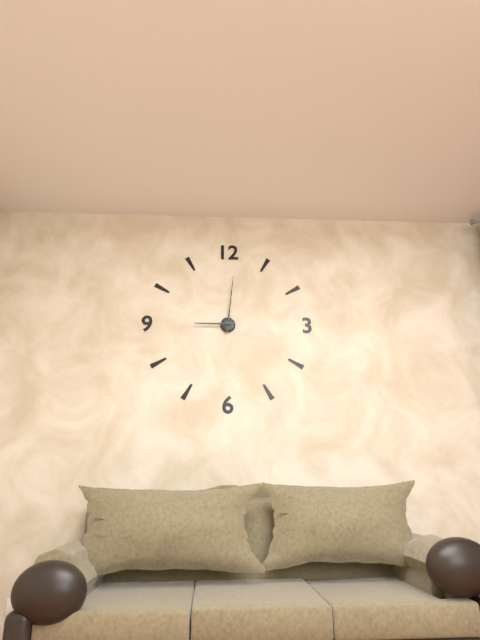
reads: 9,01
